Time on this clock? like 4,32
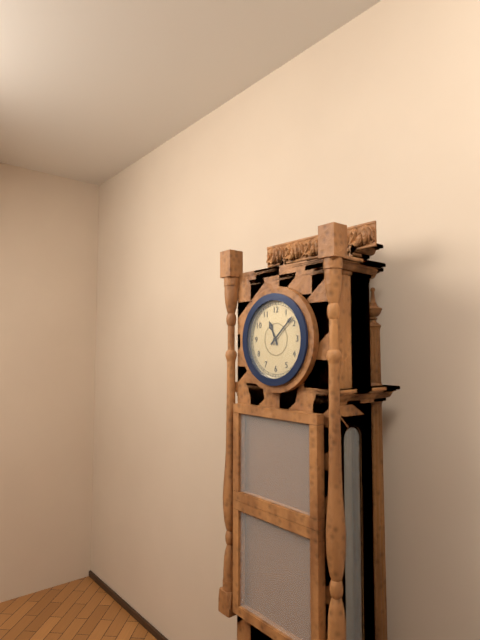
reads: 11,08
